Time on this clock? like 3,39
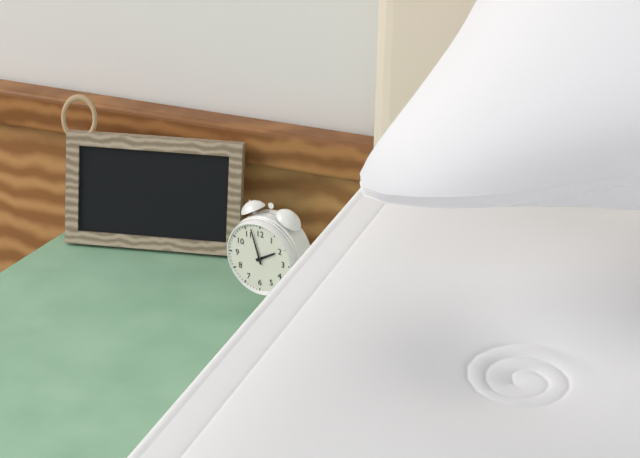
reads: 1,57
